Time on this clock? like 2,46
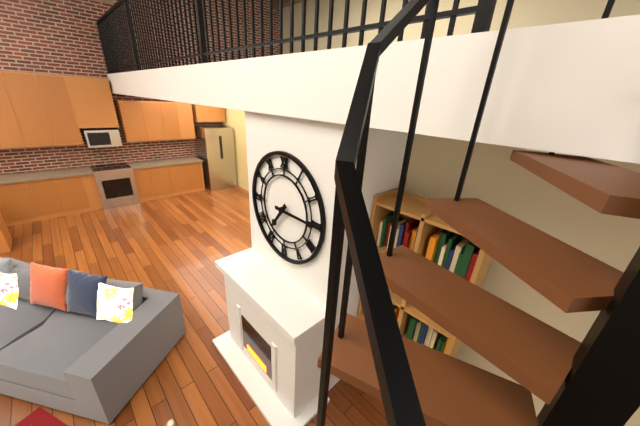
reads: 7,15
